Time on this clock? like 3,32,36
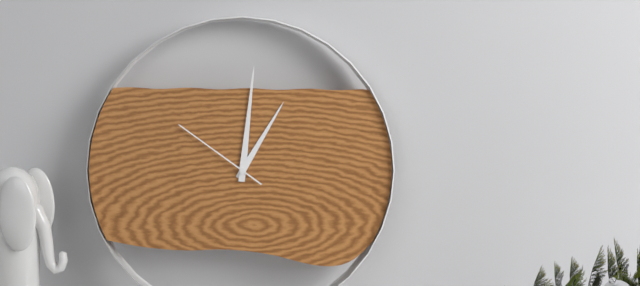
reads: 1,01,51
